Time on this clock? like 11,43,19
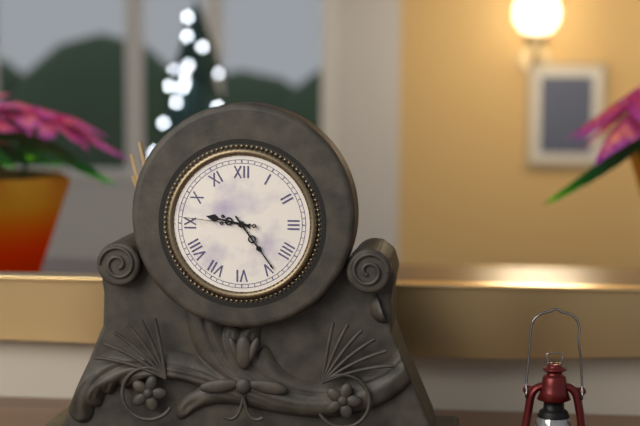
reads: 9,24,46
